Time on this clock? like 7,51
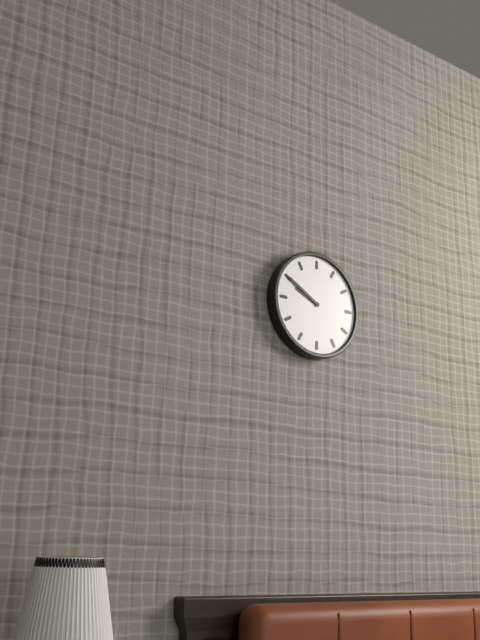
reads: 9,50
